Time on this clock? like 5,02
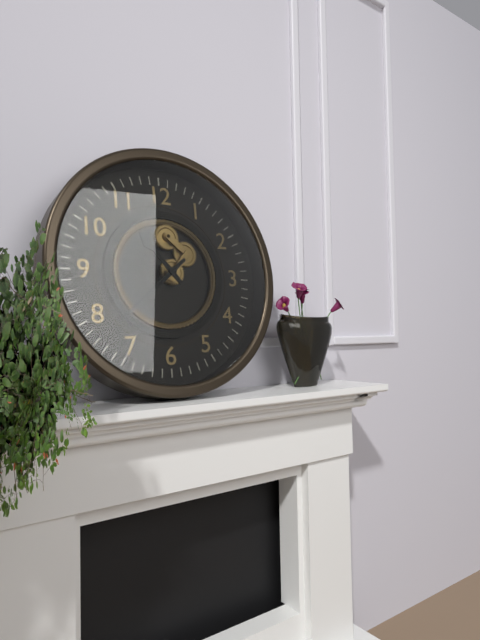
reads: 10,38
